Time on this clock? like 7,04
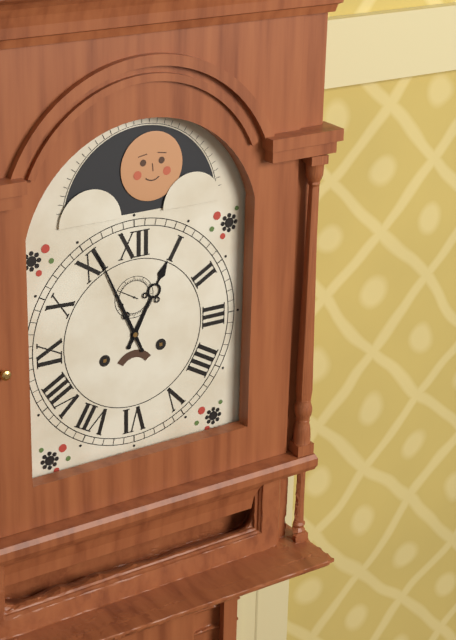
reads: 12,56
